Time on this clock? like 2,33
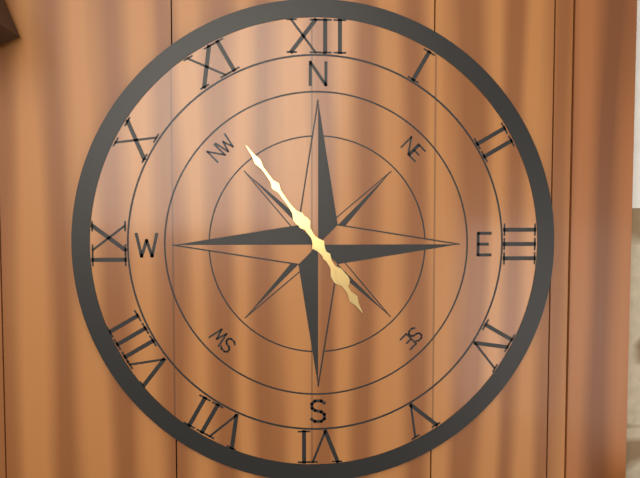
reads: 4,54
